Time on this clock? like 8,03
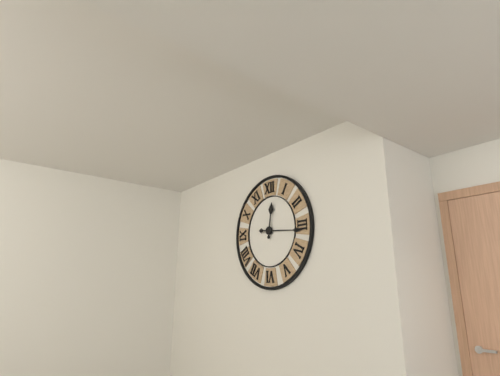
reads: 12,16
